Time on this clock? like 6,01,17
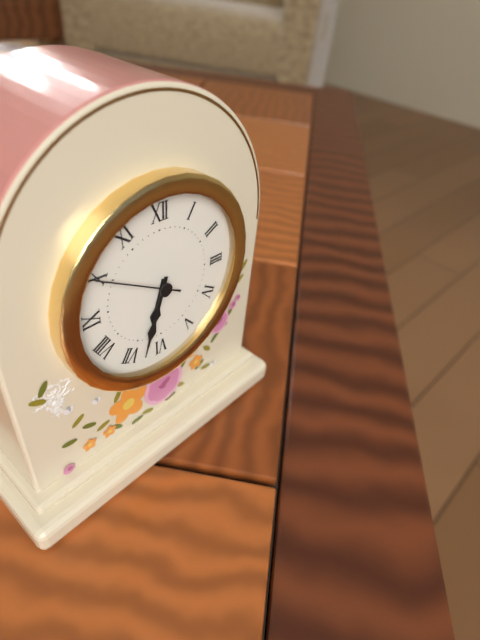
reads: 6,33,50
